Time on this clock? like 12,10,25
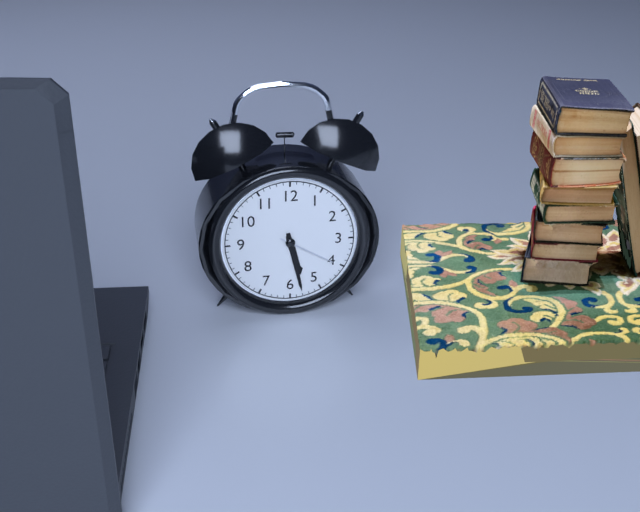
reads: 5,28,20
